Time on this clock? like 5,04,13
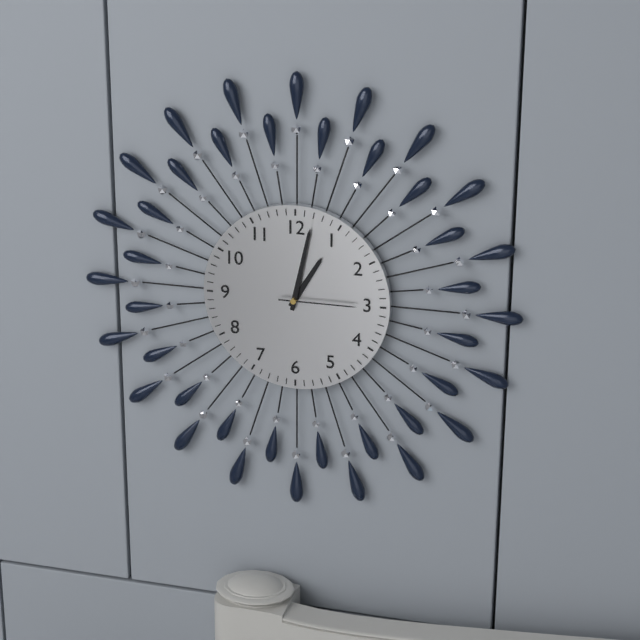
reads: 1,02,15
